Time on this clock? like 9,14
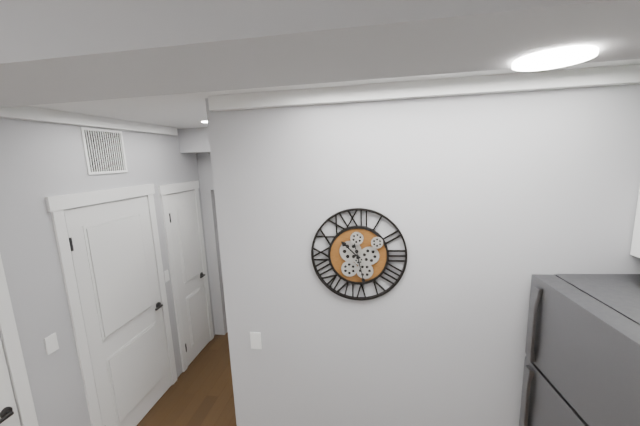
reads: 10,28
